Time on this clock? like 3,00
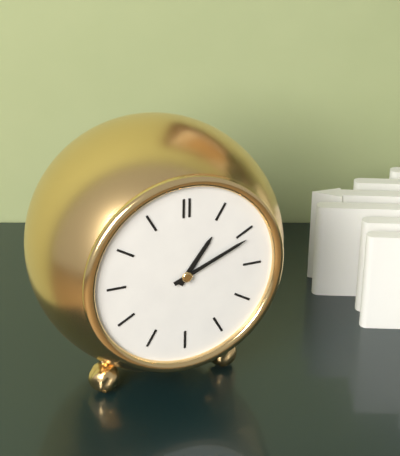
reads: 1,11
